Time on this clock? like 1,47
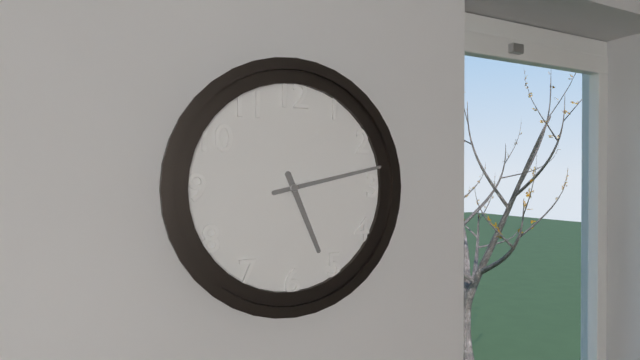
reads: 5,13
